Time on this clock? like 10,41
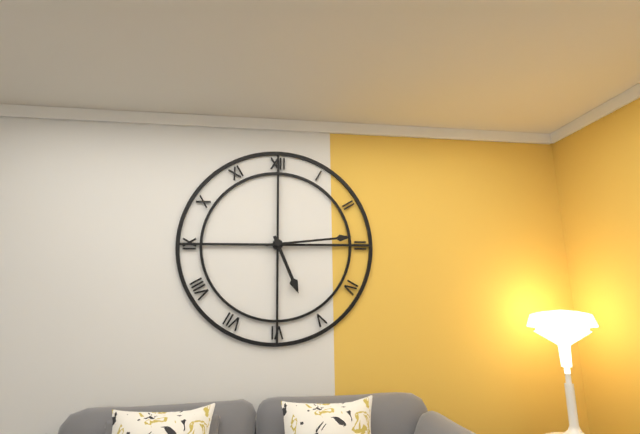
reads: 5,14
